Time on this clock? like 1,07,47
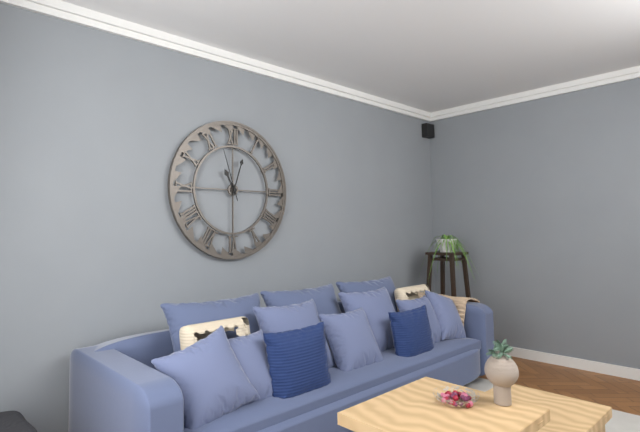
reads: 11,03,57
